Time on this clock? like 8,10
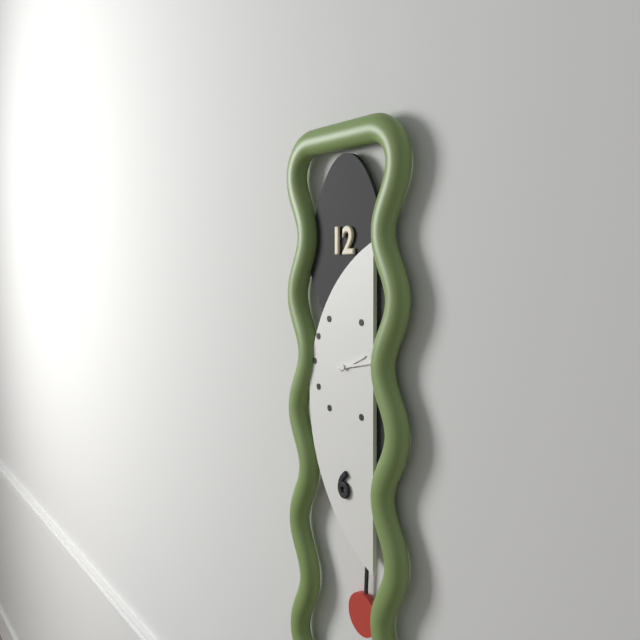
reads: 2,13
